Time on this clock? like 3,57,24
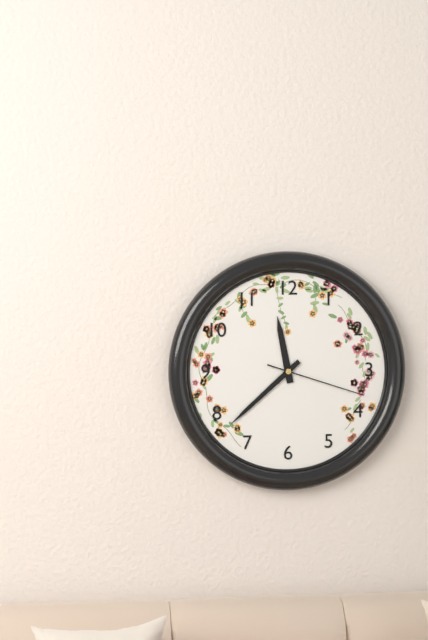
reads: 11,38,18
